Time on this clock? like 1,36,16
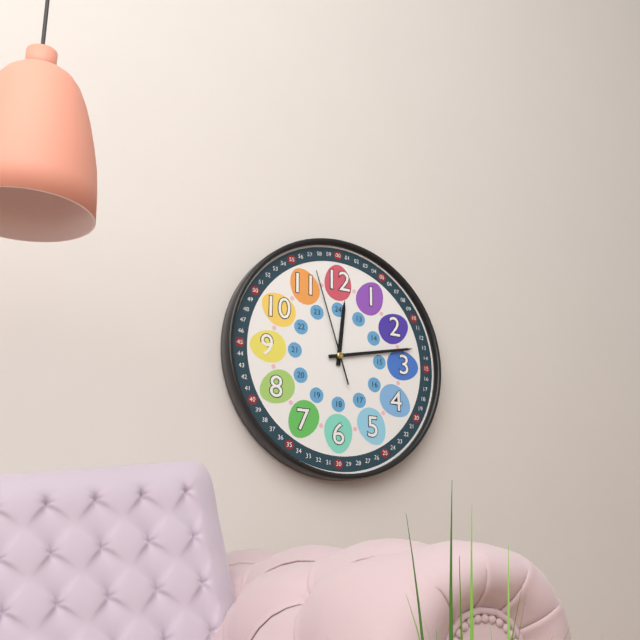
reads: 12,13,57
